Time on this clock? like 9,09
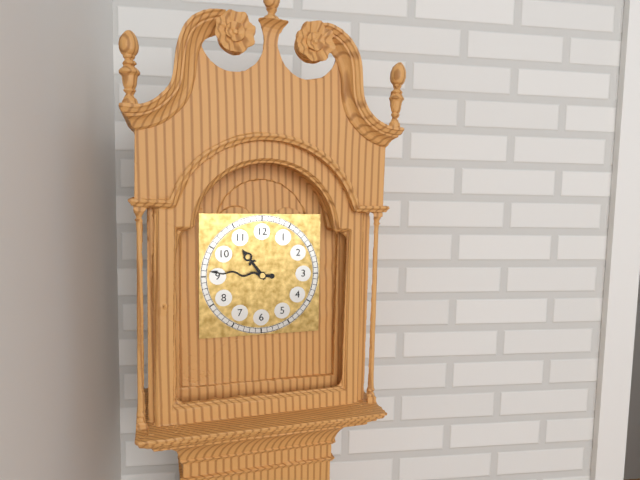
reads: 10,46
